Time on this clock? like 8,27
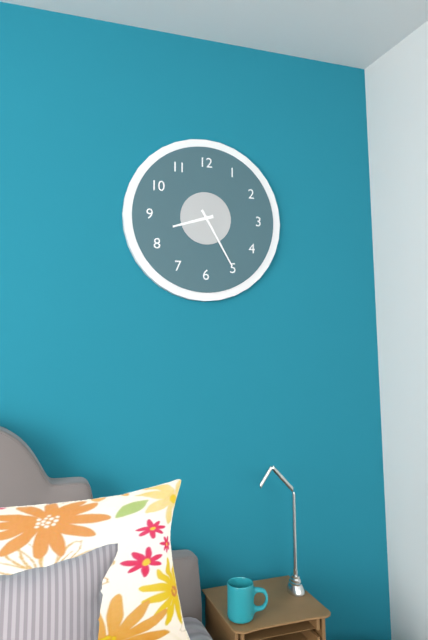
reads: 8,25
